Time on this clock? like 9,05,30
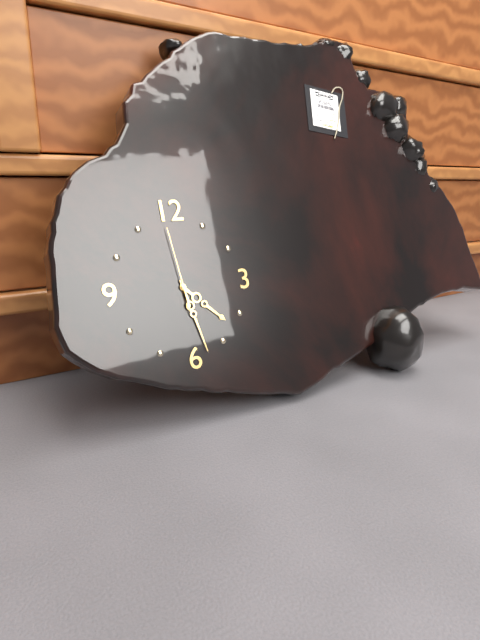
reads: 4,28,59
